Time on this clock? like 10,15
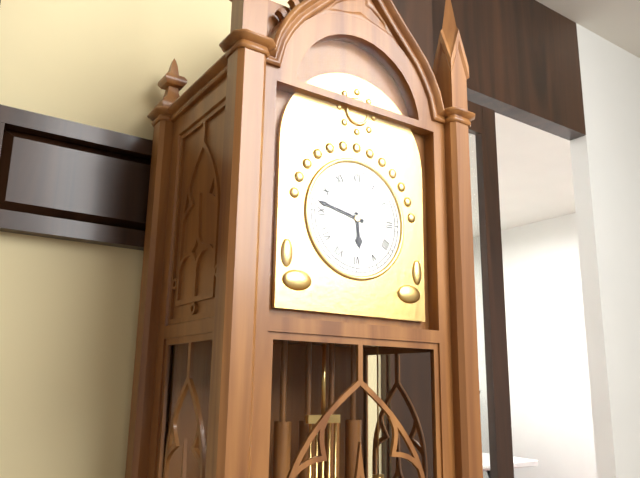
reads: 5,47
